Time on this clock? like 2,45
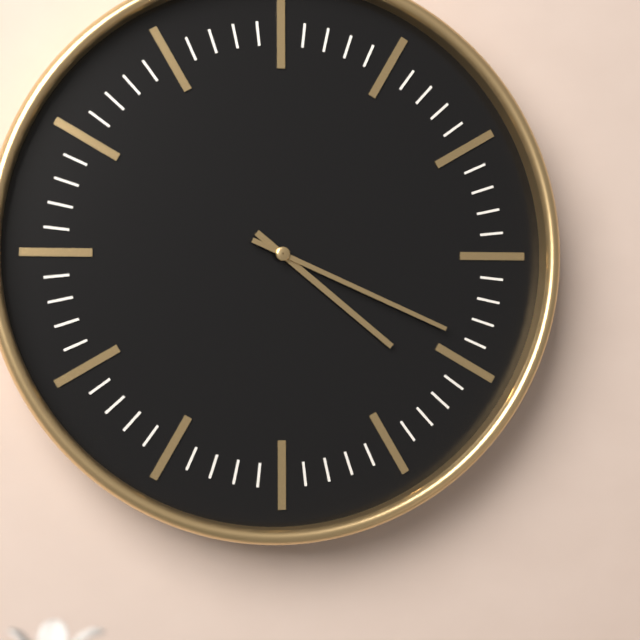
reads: 4,19
